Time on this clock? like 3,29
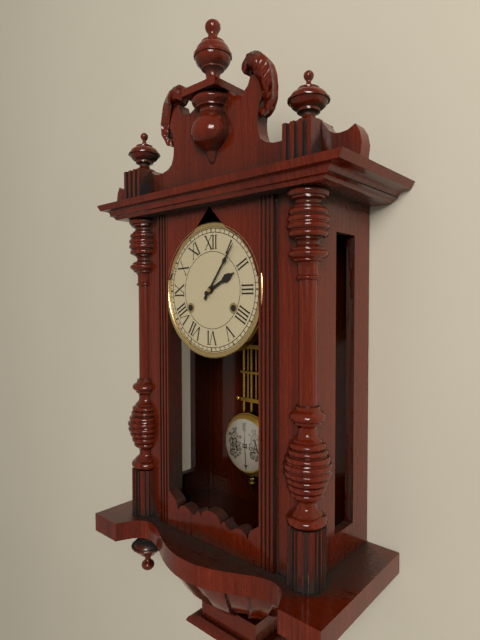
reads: 2,06
